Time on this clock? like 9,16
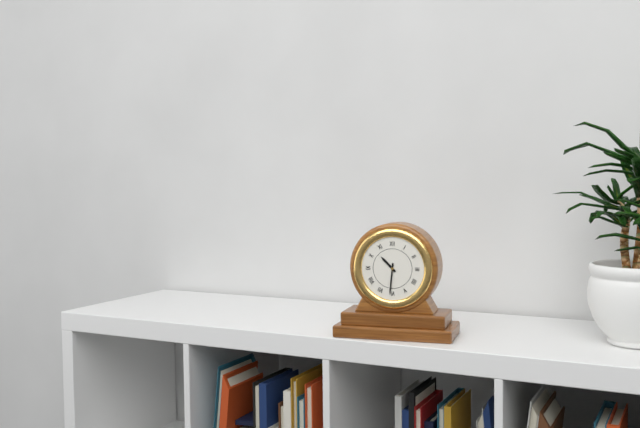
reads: 10,31
